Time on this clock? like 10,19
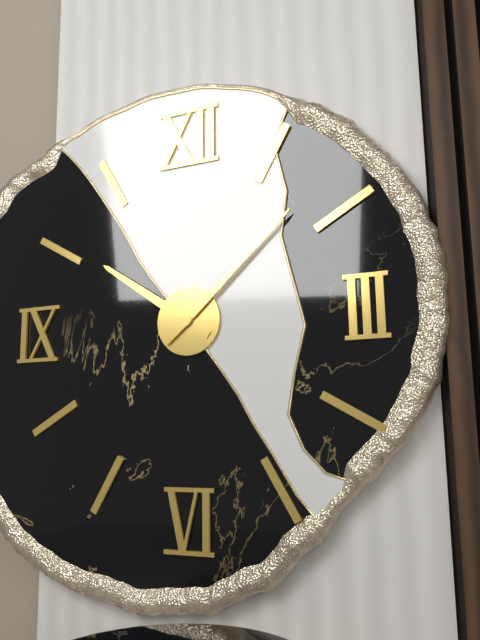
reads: 10,08
